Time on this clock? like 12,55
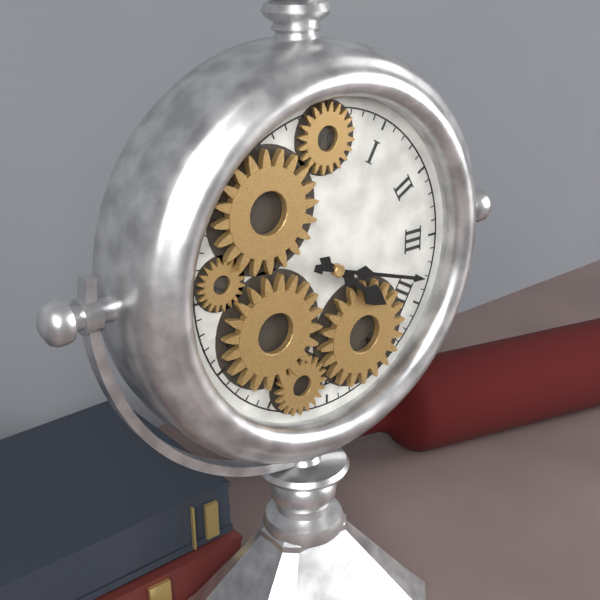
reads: 4,18
